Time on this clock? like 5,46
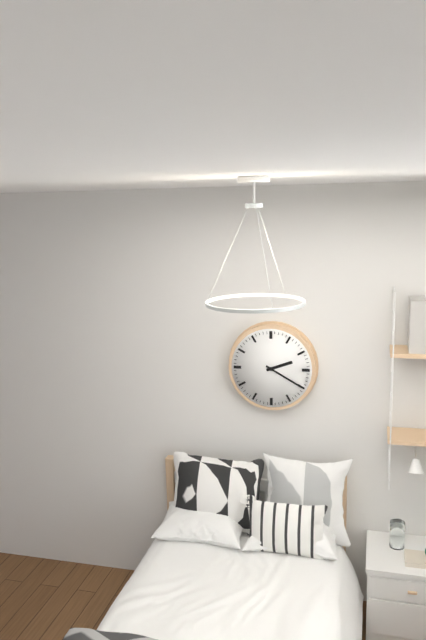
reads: 2,20
